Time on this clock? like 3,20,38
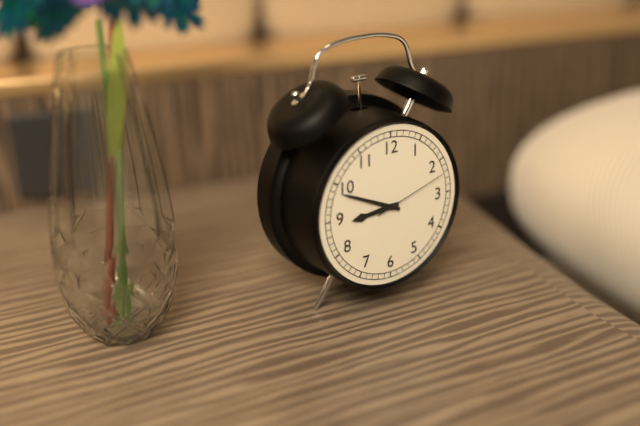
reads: 8,49,12
